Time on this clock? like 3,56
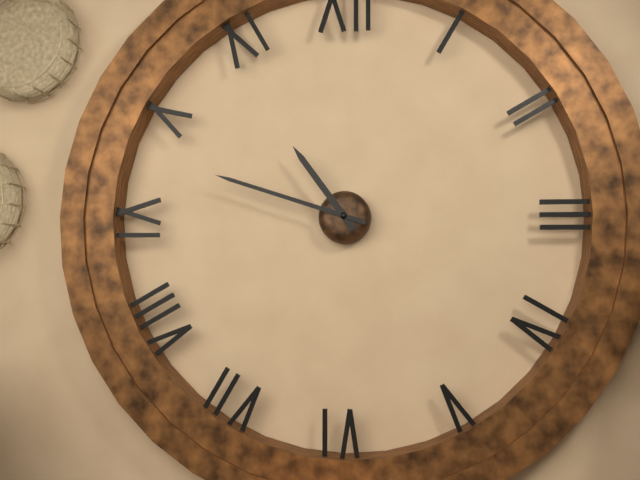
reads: 10,48
